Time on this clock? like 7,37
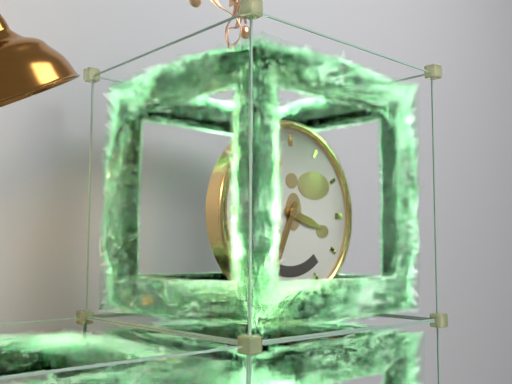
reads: 3,34
